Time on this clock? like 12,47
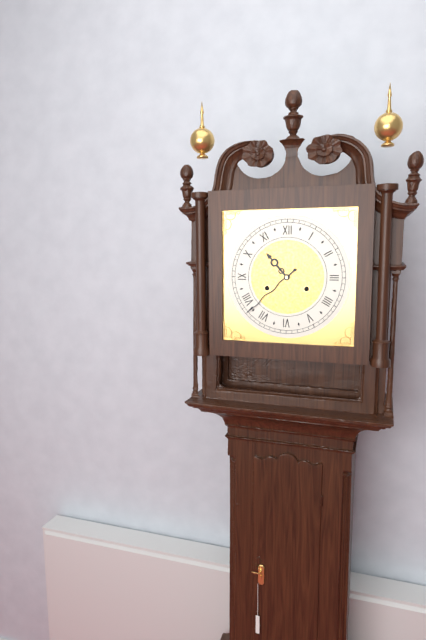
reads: 10,38
